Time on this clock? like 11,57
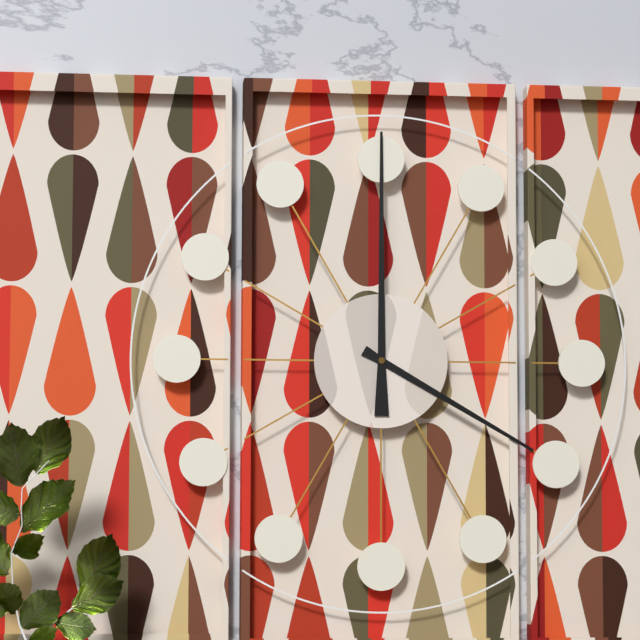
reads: 4,00
